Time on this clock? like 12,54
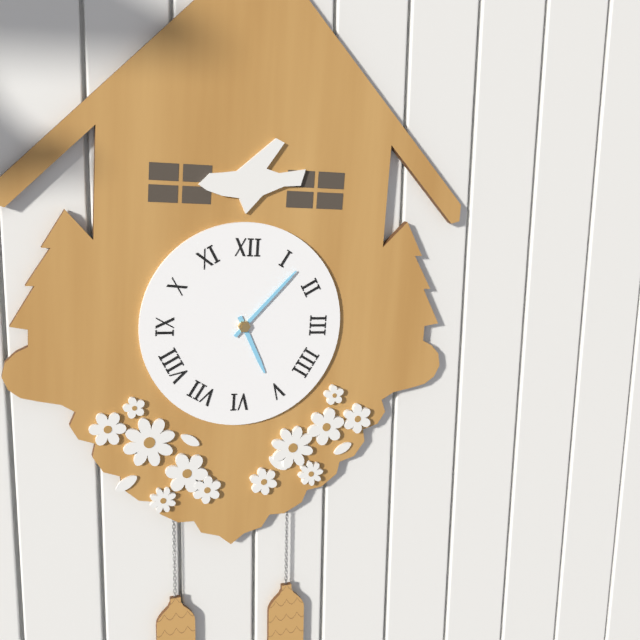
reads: 5,07
